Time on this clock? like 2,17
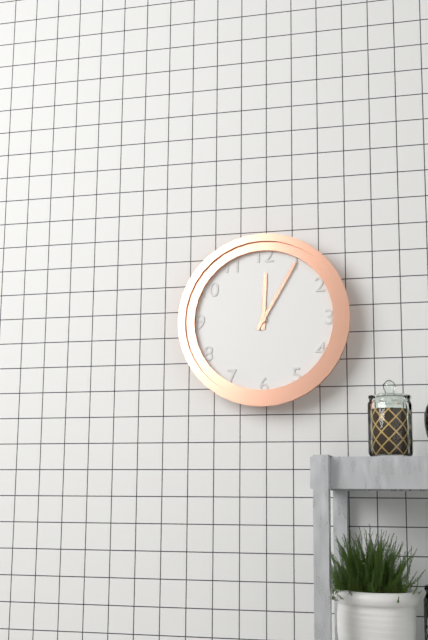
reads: 12,05
